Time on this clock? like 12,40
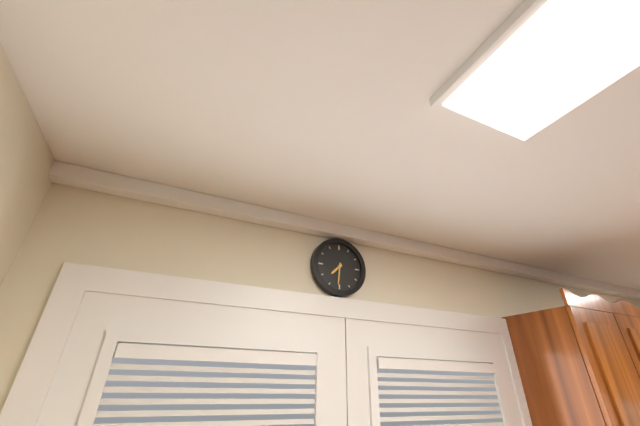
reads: 7,31
